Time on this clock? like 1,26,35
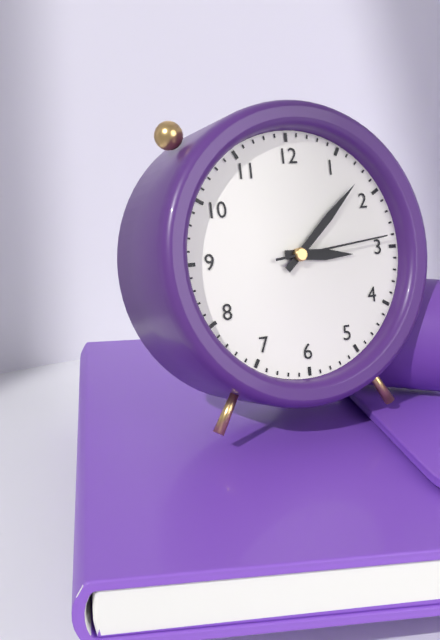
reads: 3,08,14
